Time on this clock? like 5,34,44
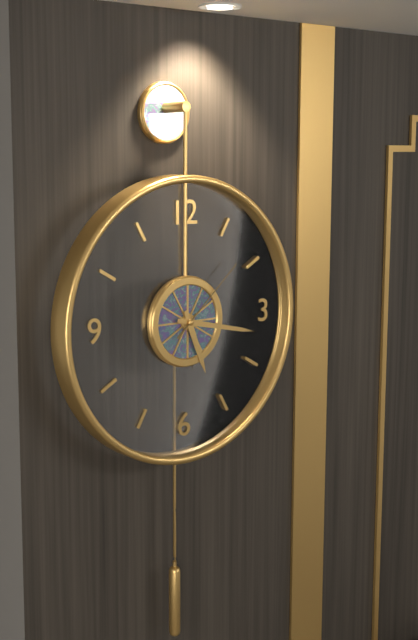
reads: 5,17,08
